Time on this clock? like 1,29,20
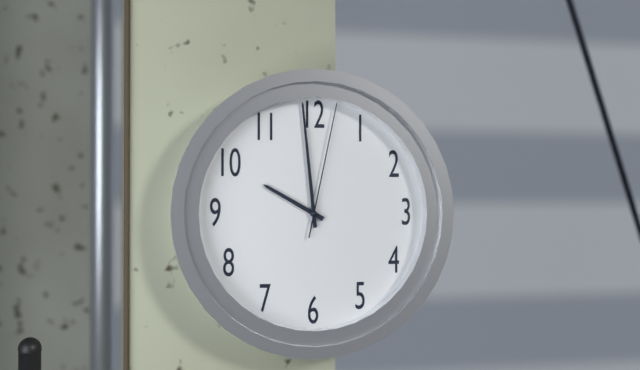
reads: 9,59,02
